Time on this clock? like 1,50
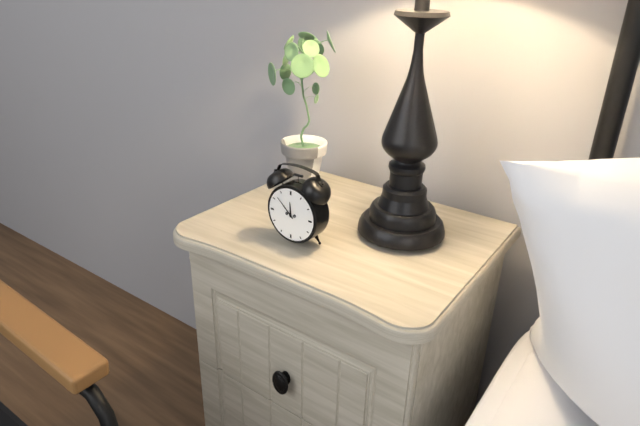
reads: 11,52
